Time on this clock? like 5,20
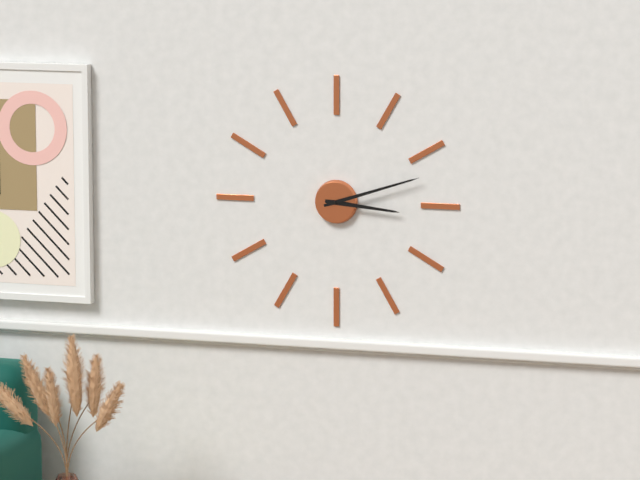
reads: 3,12
